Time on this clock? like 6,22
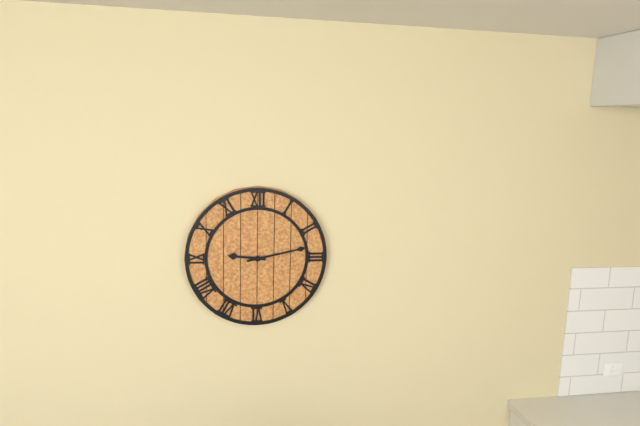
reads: 9,13
